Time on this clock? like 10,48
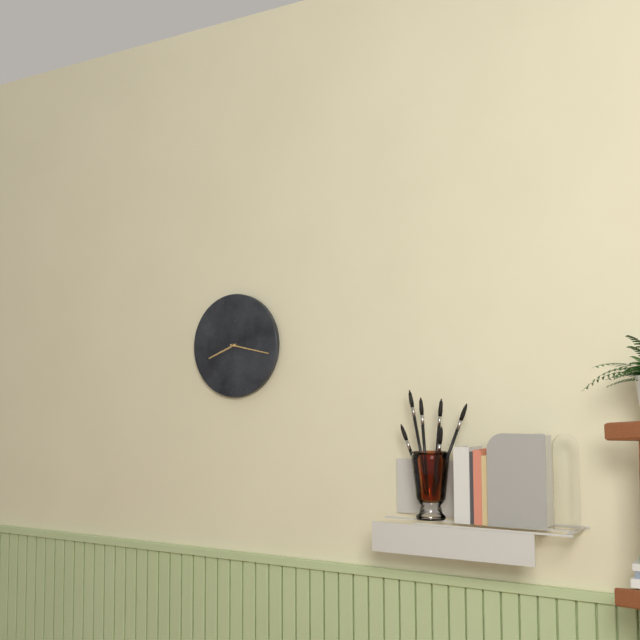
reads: 8,17
